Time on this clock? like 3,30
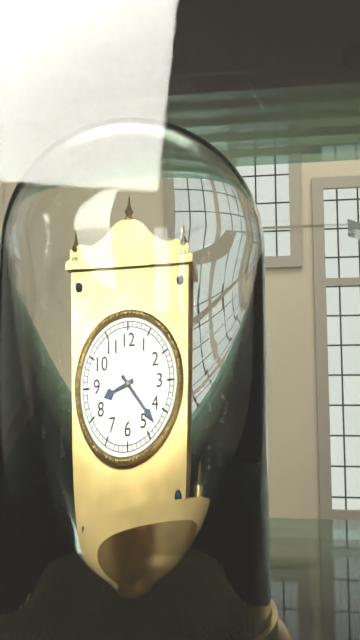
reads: 8,23
